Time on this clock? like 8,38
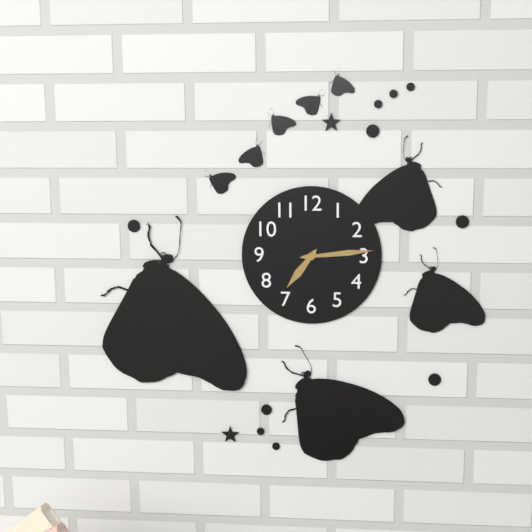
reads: 7,14
